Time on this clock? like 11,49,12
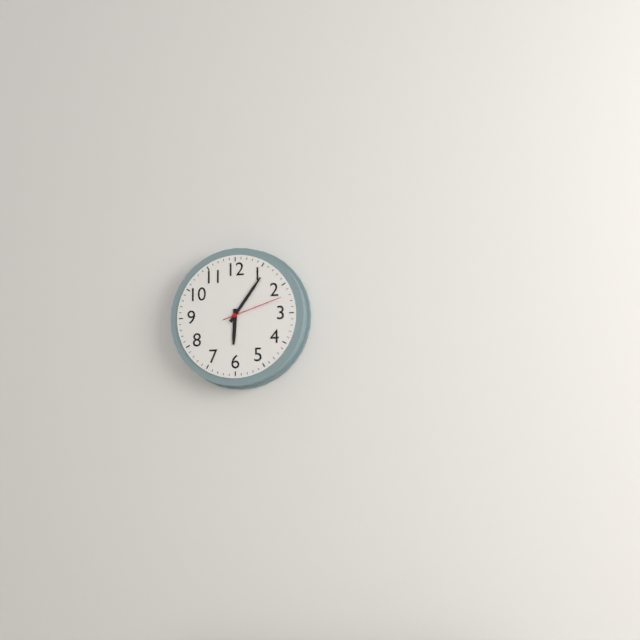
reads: 6,06,12
